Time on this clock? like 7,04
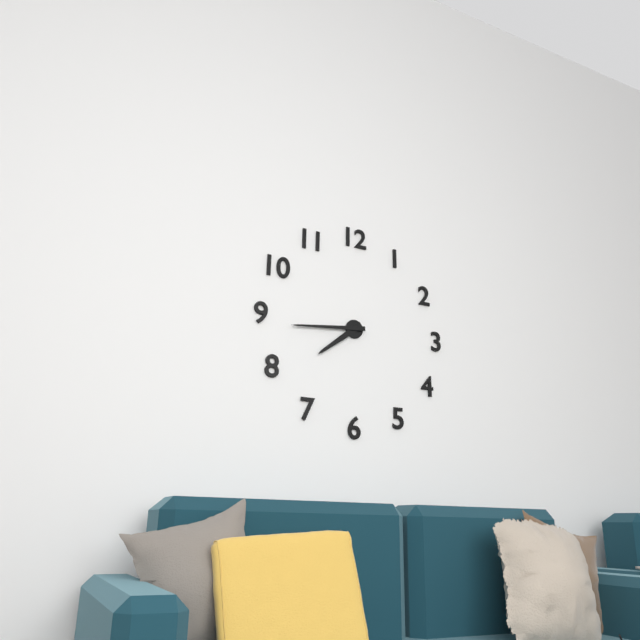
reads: 7,44
